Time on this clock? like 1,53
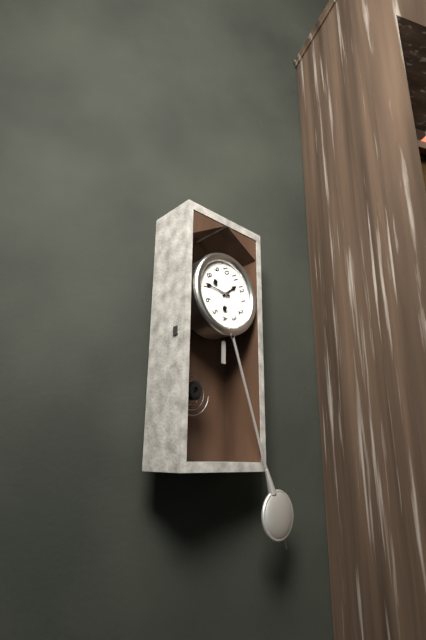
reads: 11,36
